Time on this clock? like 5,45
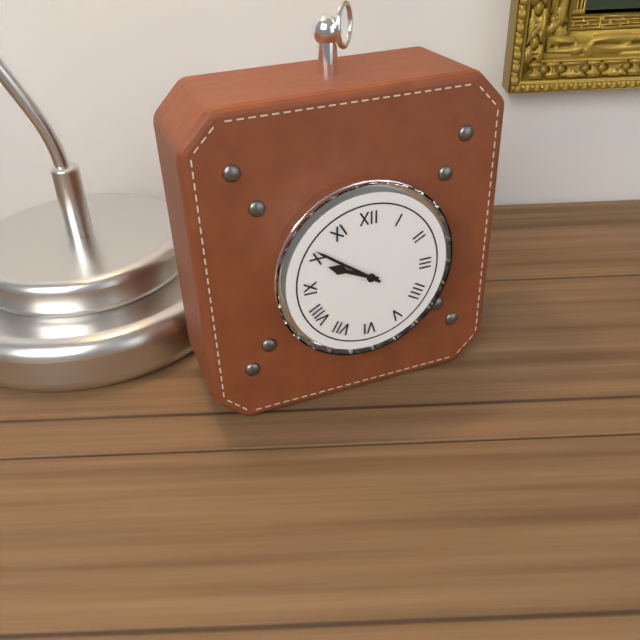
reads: 9,51
